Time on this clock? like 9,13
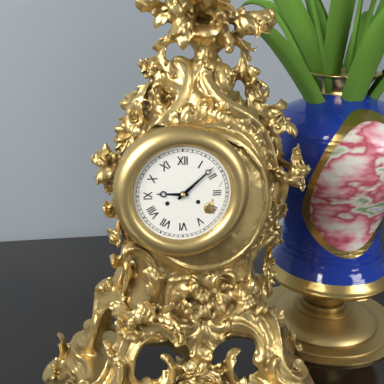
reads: 9,08
